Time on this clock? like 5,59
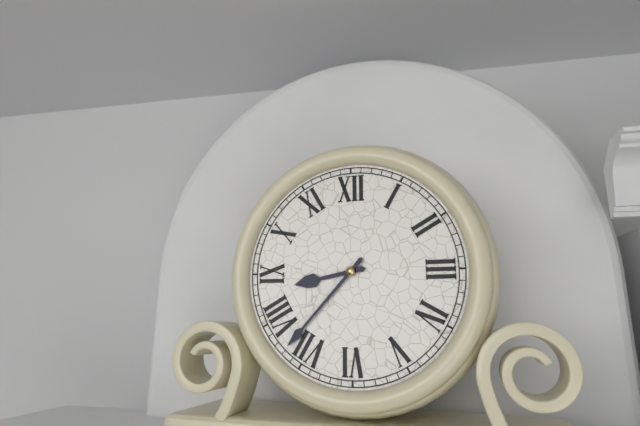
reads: 8,37
